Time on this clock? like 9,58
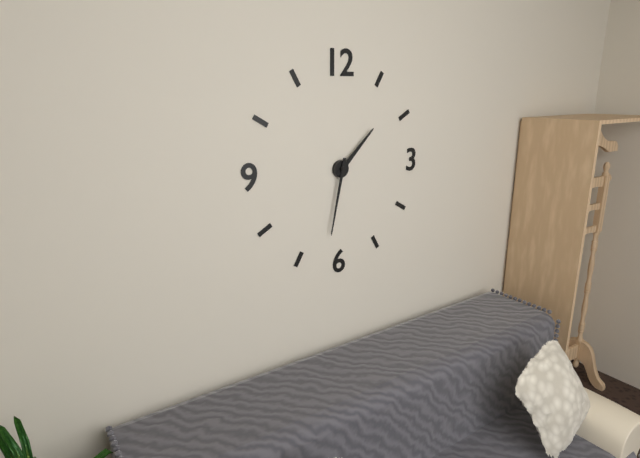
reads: 1,32
